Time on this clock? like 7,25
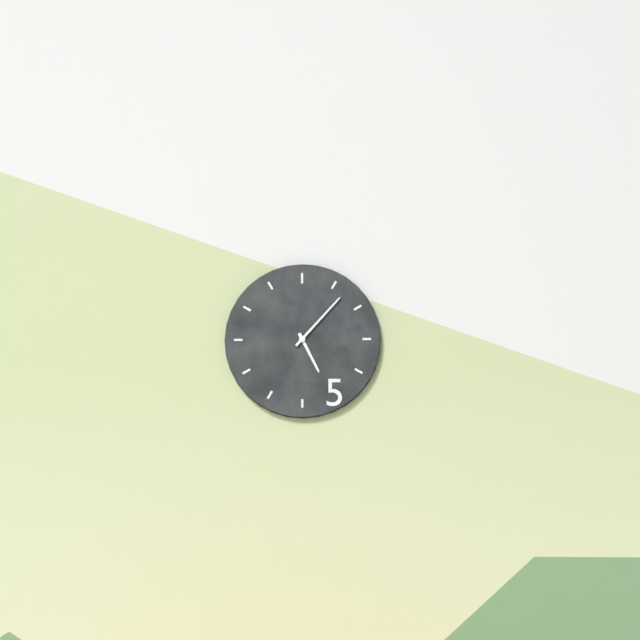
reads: 5,07
